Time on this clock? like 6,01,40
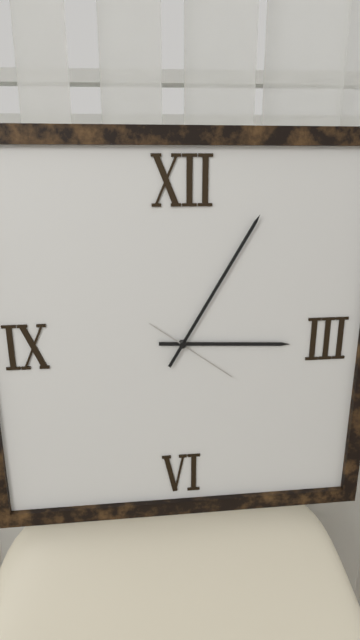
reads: 3,05,21
